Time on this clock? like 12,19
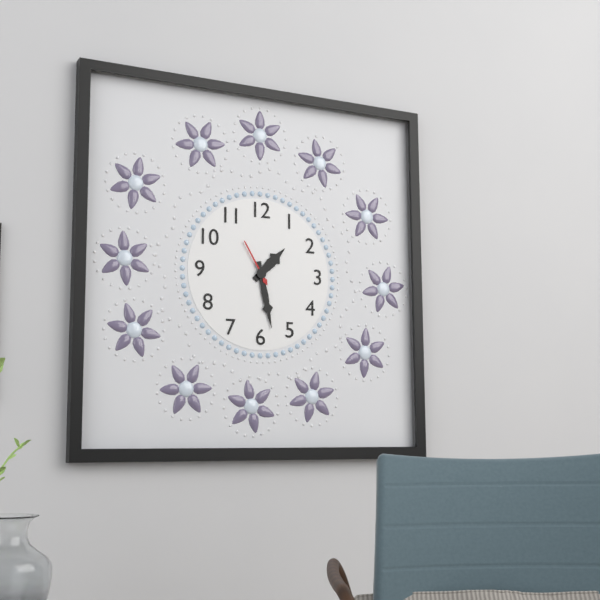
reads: 1,28
